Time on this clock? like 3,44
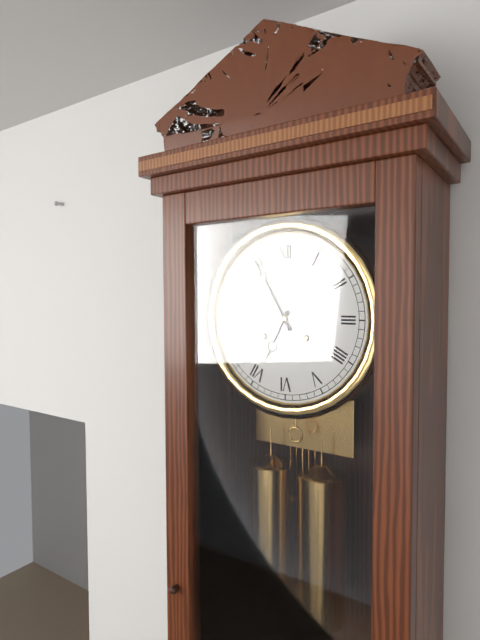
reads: 6,55
